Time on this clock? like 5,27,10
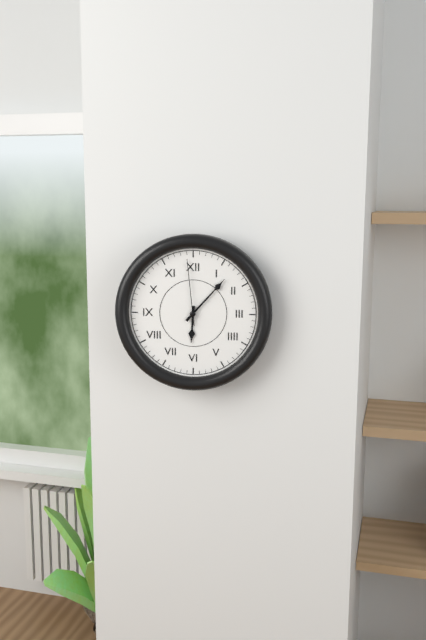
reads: 6,07,59
